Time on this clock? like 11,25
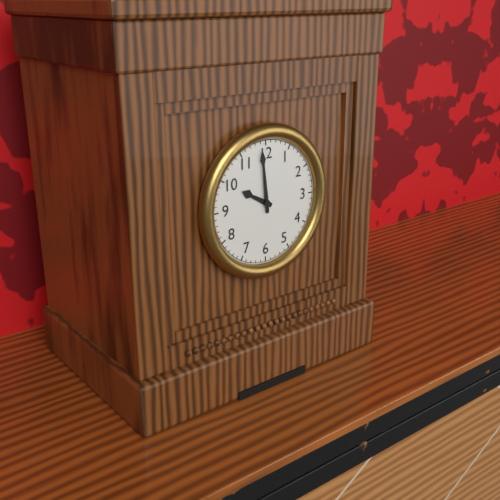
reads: 9,59
